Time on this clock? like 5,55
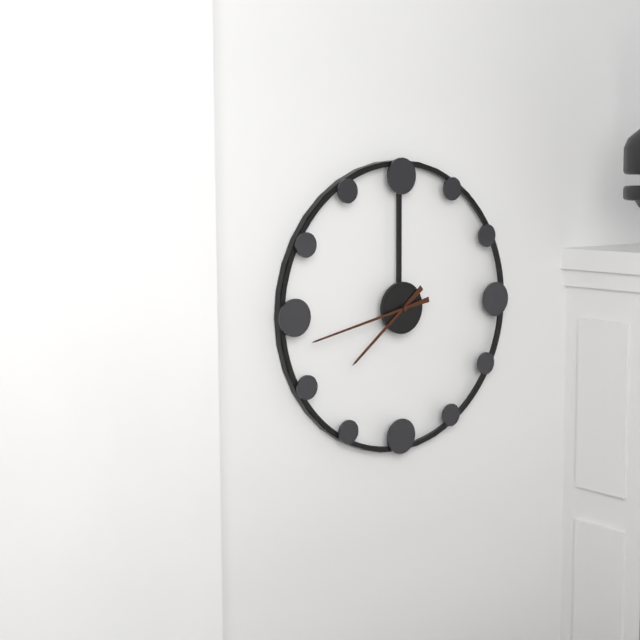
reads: 7,43
